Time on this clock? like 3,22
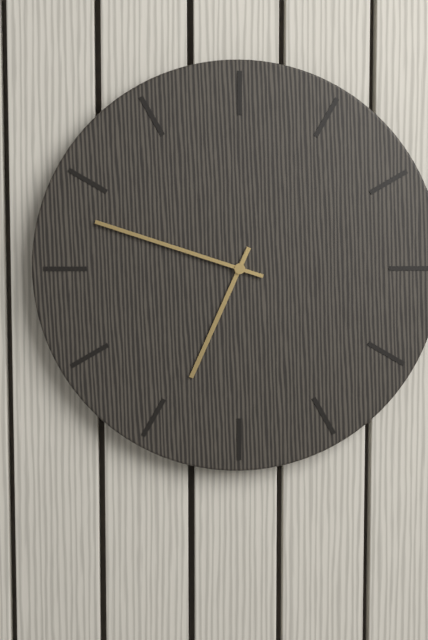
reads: 6,48
